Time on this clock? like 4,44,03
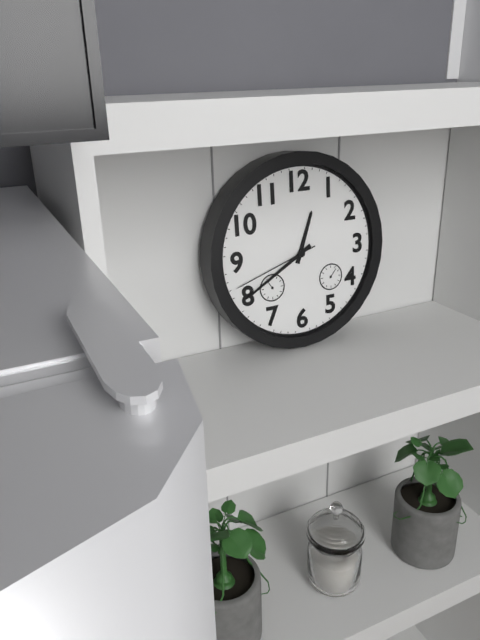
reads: 12,40,42
